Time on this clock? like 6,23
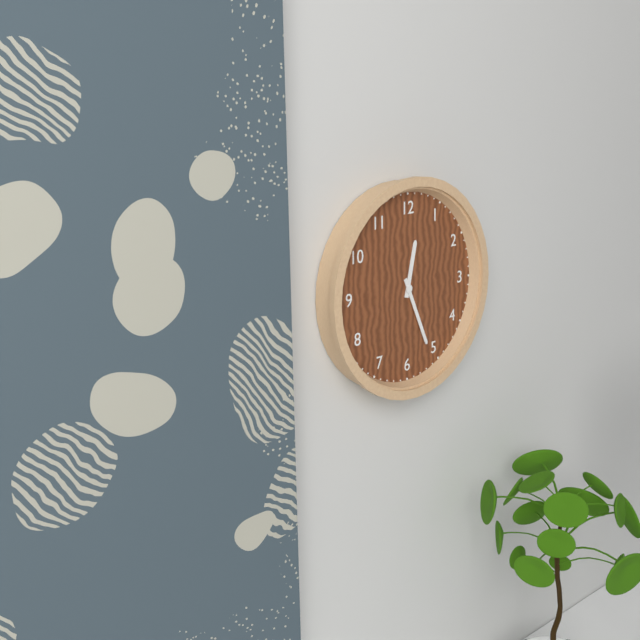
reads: 12,26
